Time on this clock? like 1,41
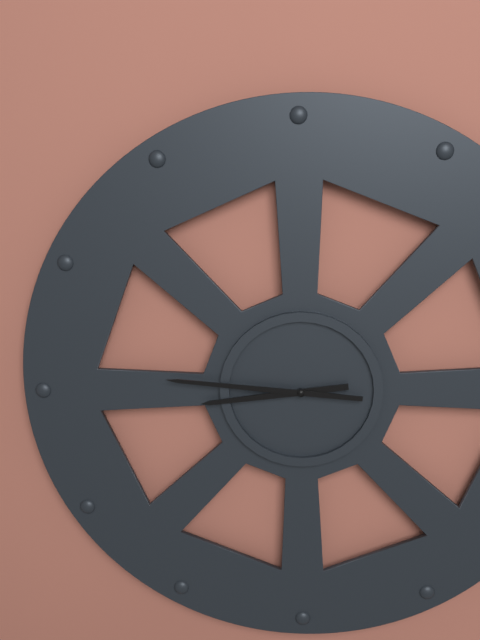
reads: 8,46
